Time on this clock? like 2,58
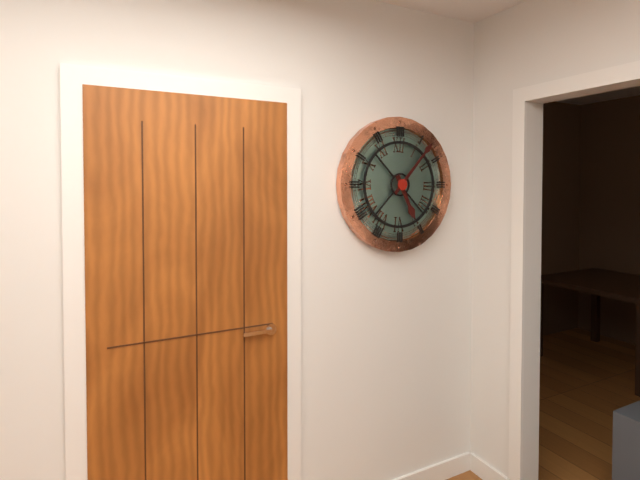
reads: 5,07
